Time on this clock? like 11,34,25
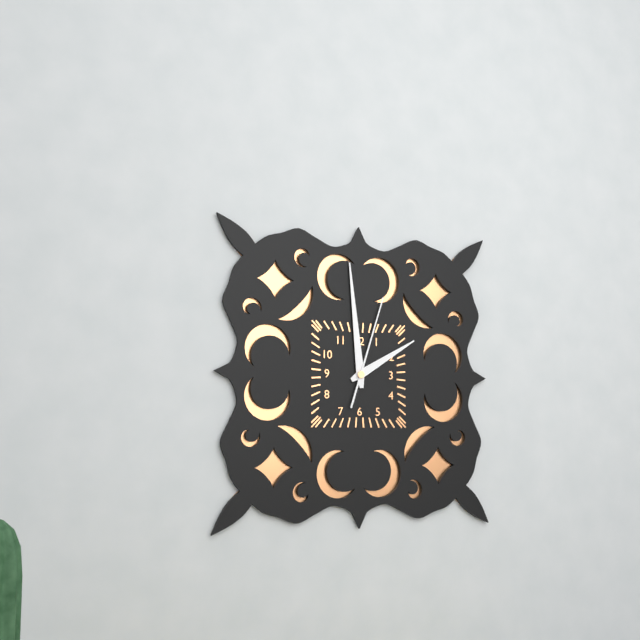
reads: 1,59,03
